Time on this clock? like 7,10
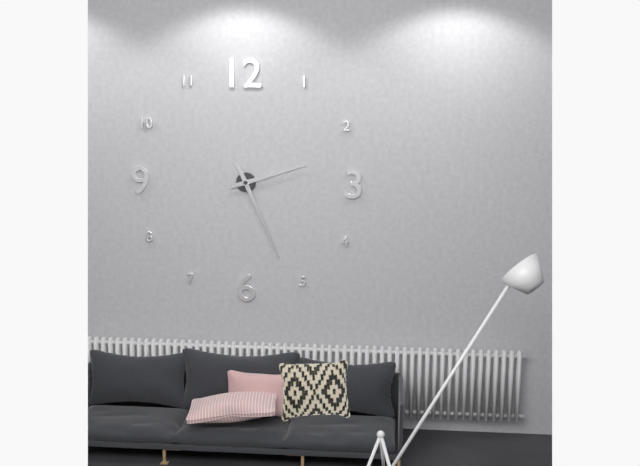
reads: 2,26
